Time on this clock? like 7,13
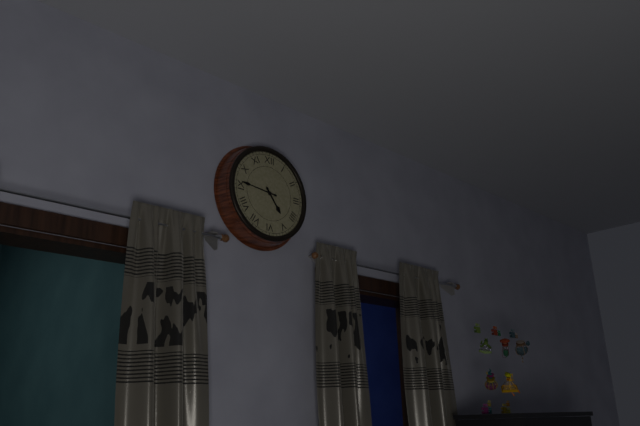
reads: 4,46
